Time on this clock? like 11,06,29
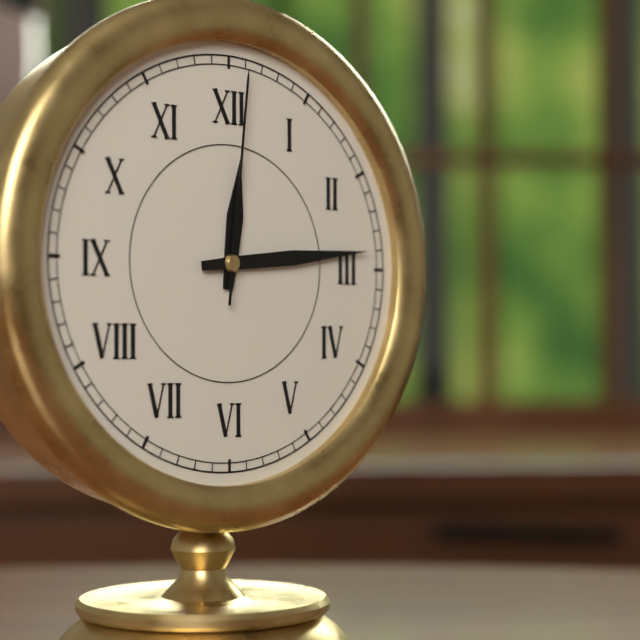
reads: 12,14,01
